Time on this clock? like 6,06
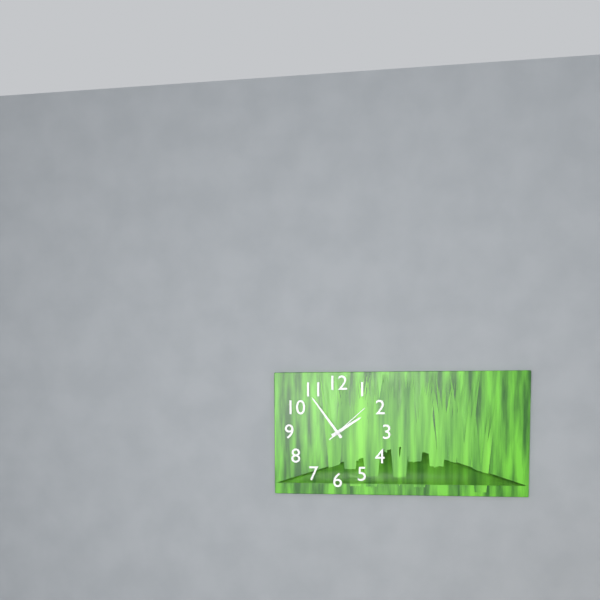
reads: 1,54
